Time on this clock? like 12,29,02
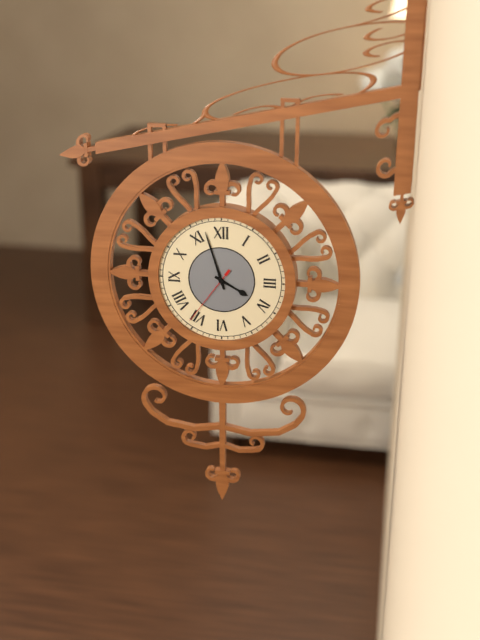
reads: 3,57,36
